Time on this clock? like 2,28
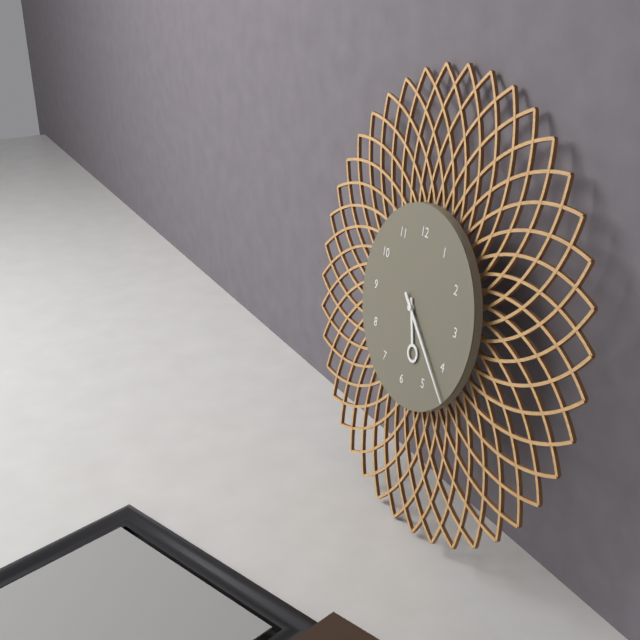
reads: 5,22
